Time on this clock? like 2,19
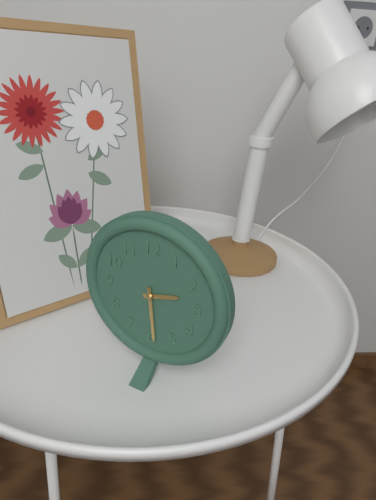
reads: 2,29
